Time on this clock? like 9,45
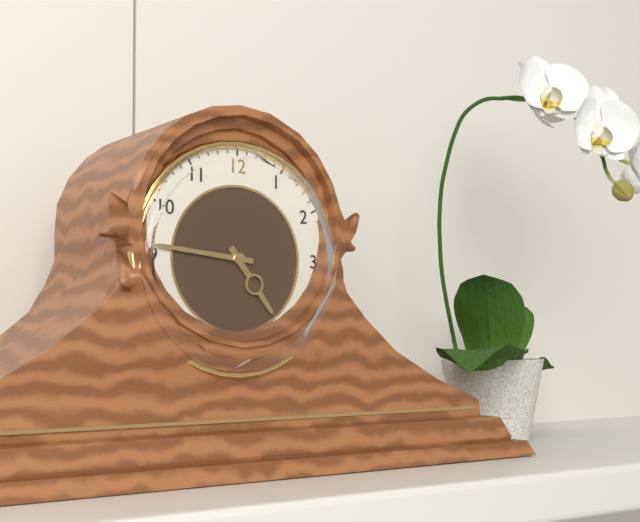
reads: 4,46
